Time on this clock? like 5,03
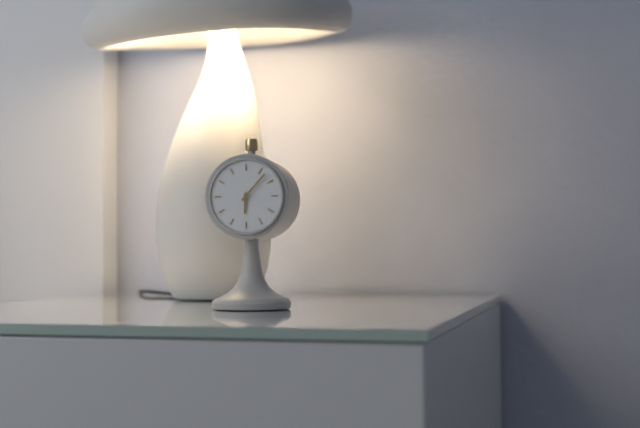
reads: 6,07
